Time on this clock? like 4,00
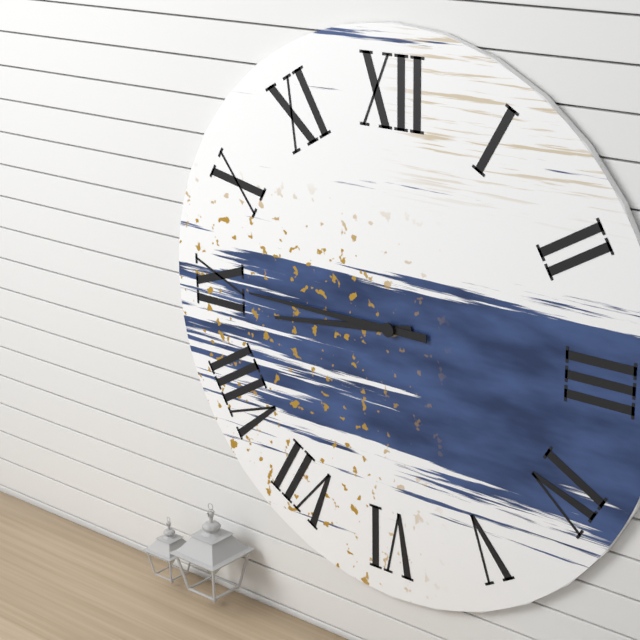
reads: 8,45
